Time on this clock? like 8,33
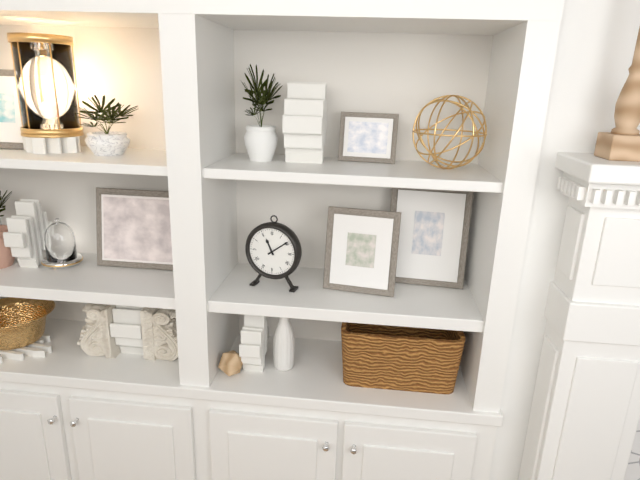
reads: 11,09
